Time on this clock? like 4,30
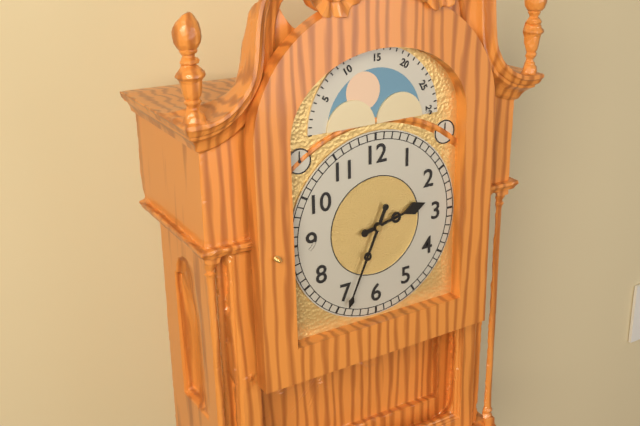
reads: 2,34
